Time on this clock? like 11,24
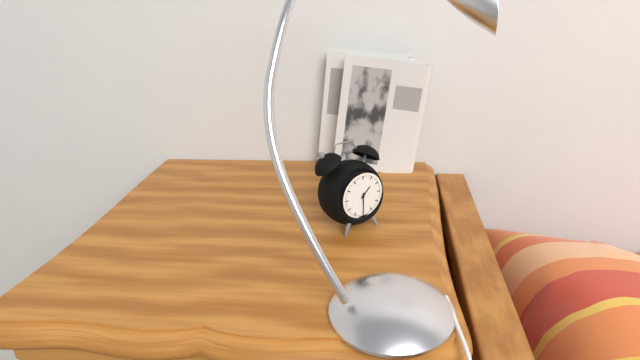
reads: 1,30
